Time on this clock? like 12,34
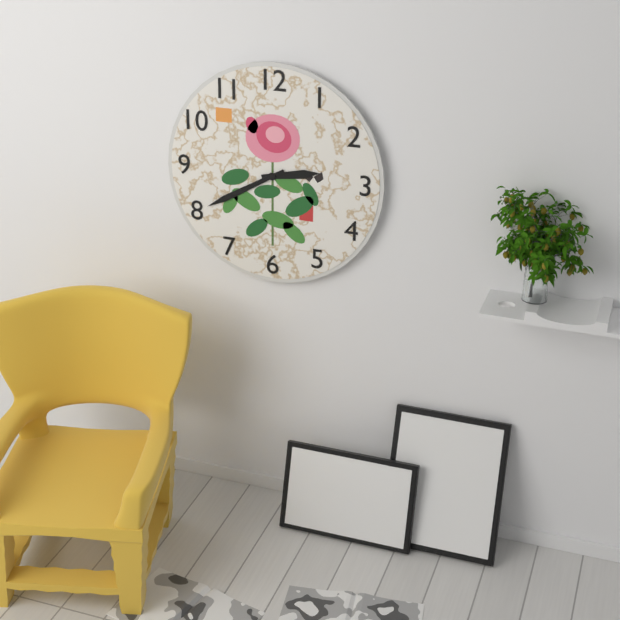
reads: 2,40
